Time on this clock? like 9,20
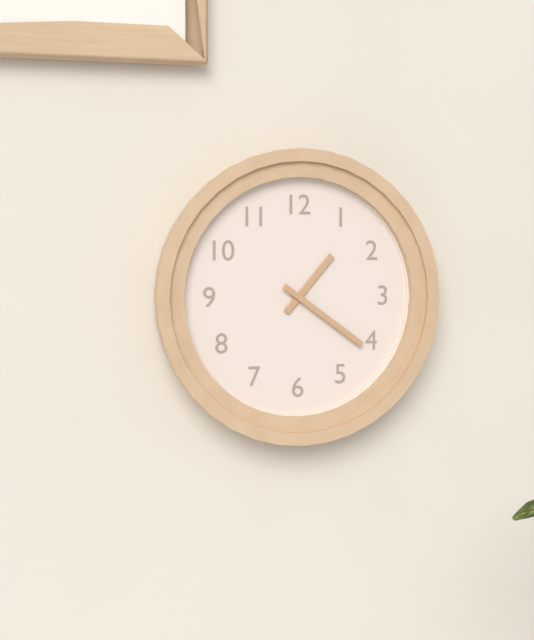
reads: 1,21
